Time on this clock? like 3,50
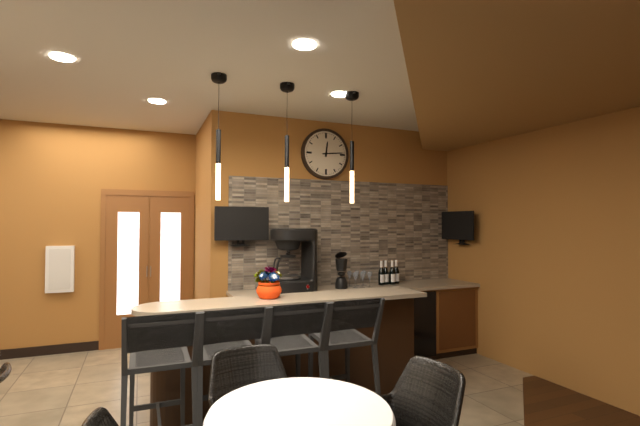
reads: 12,14
